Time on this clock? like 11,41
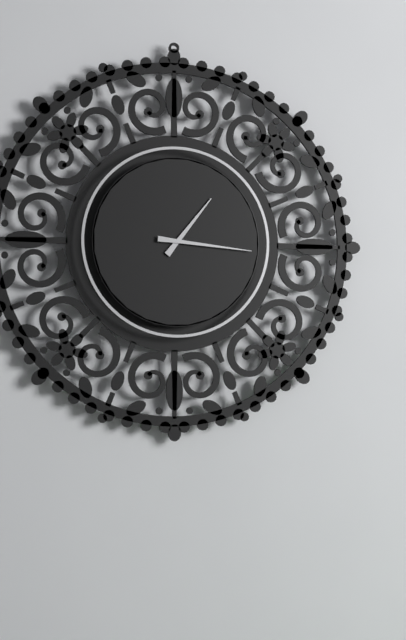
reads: 1,16
